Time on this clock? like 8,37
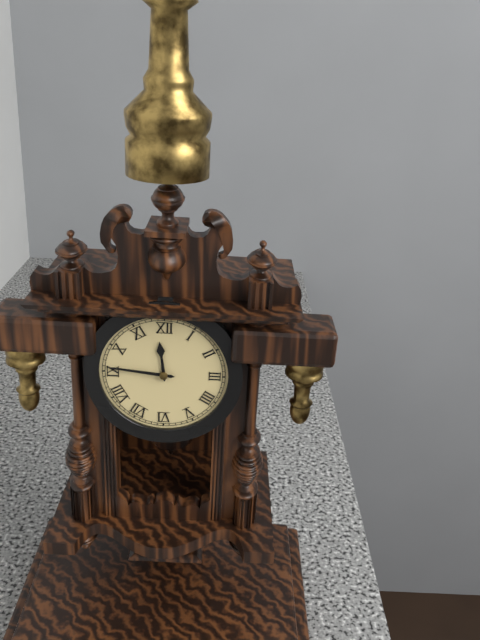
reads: 11,46
